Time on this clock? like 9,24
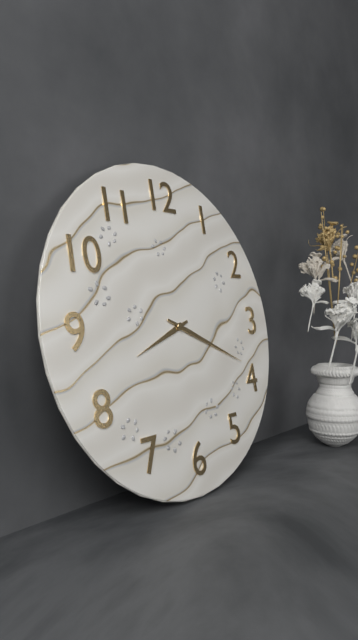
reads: 8,19
